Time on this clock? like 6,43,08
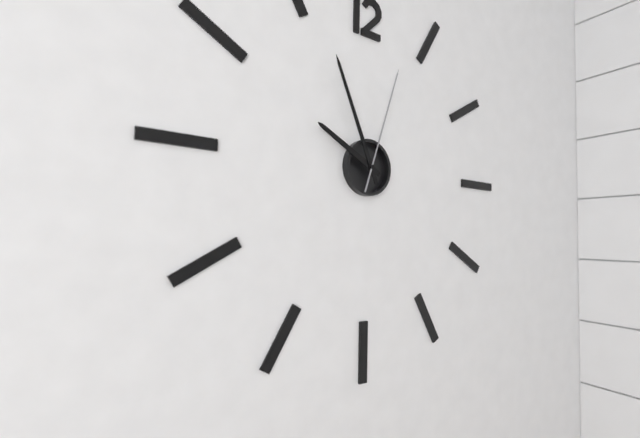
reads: 9,56,03
